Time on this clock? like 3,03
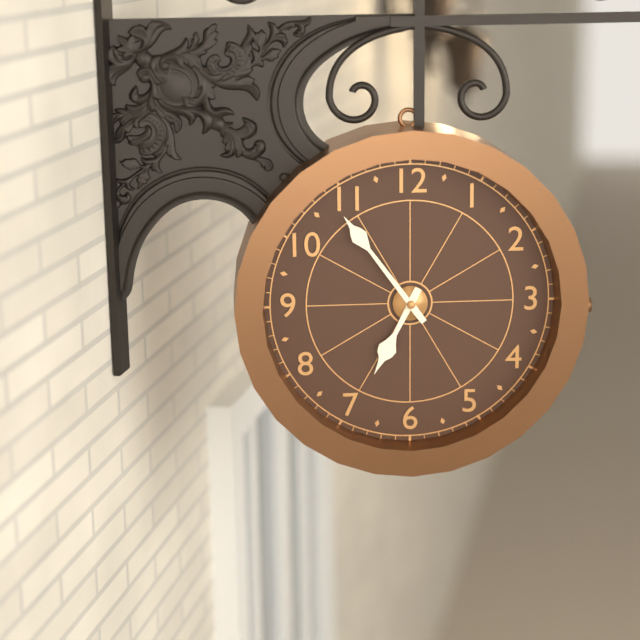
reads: 6,54
